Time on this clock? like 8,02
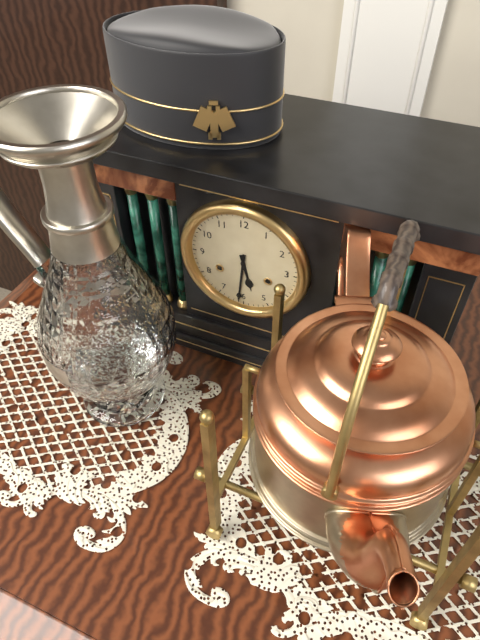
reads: 5,31
